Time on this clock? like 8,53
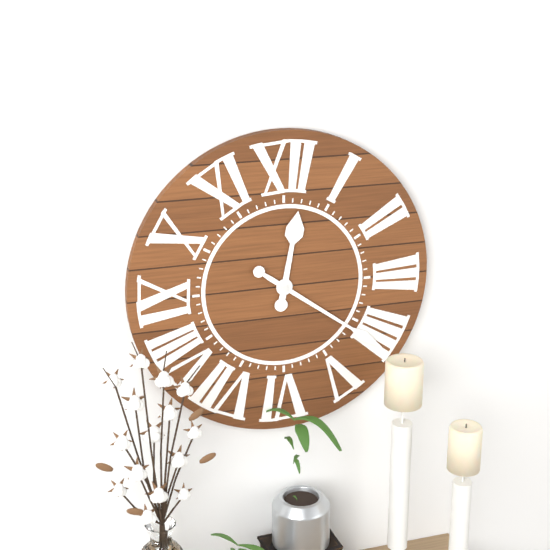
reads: 12,21
